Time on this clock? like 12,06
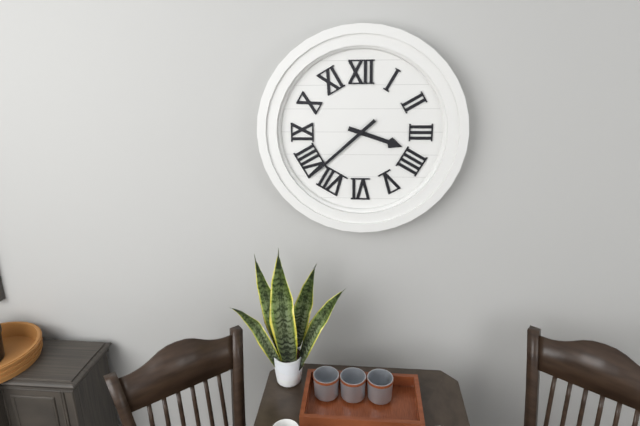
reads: 3,38
